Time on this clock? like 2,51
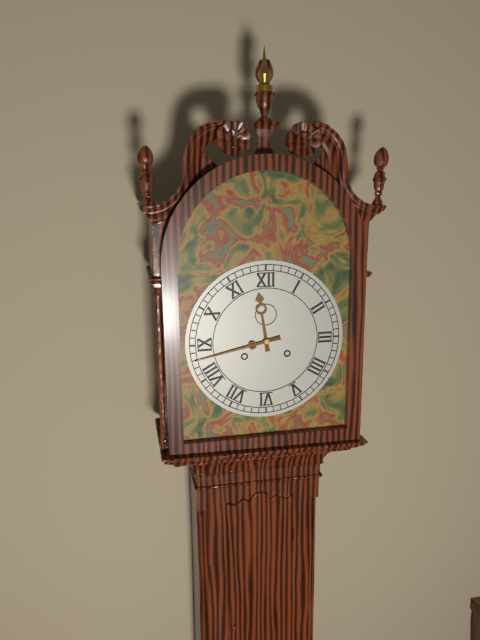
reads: 11,43
